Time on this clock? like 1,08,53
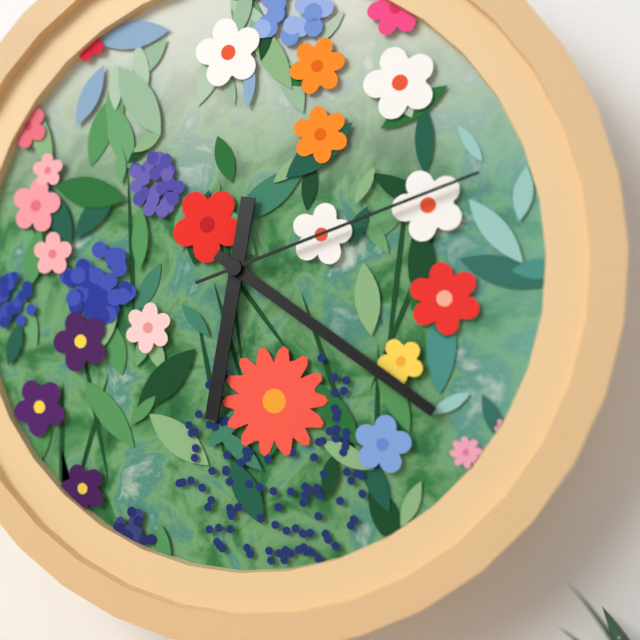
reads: 6,21,12
